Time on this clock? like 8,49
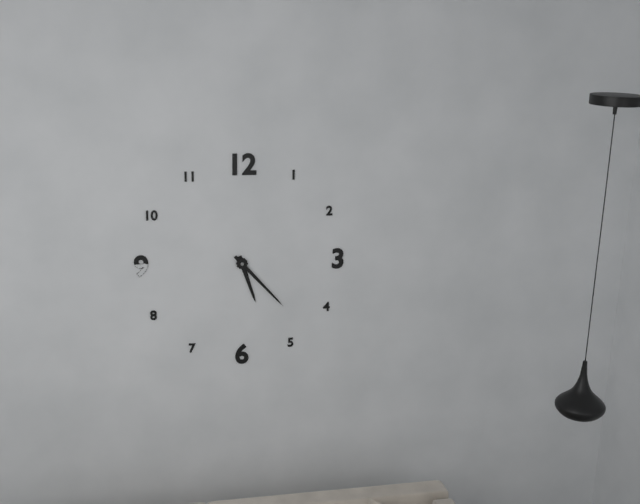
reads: 5,23
